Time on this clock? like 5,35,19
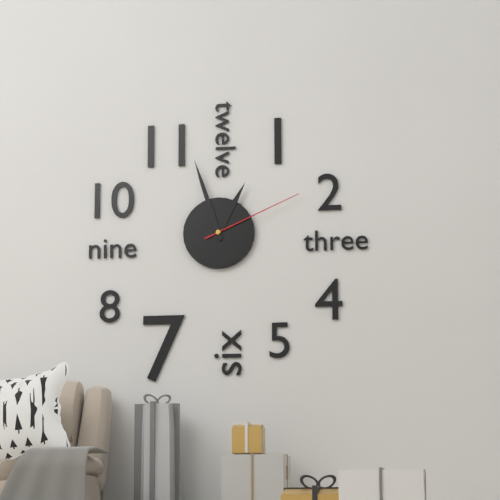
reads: 12,57,11
